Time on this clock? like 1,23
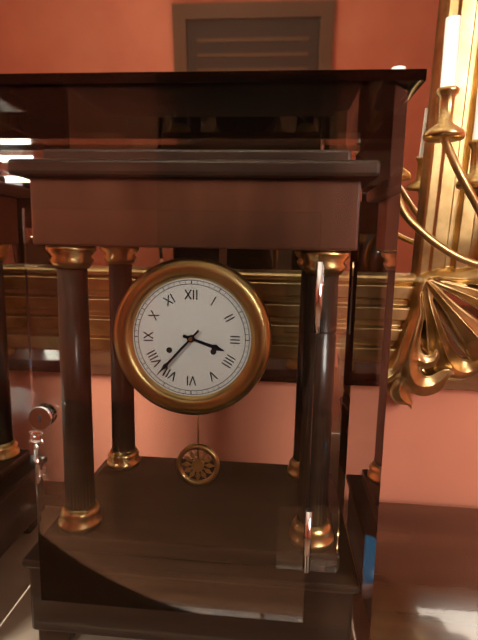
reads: 3,37
